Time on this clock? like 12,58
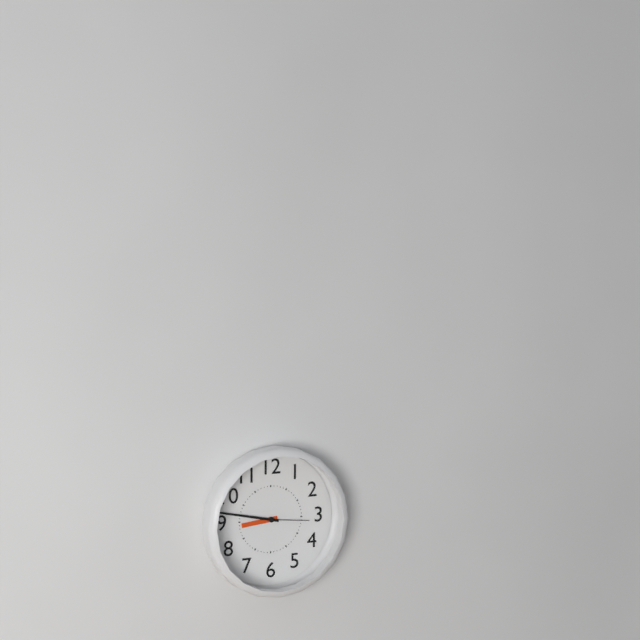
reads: 8,47
